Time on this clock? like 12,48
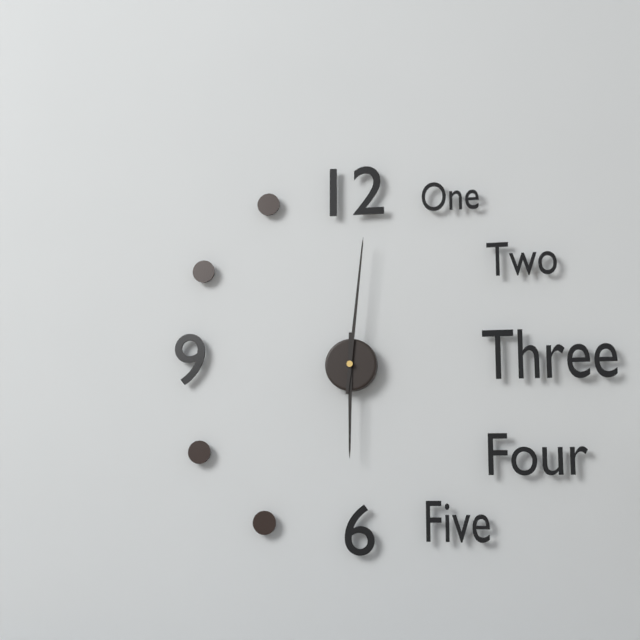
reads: 6,01
